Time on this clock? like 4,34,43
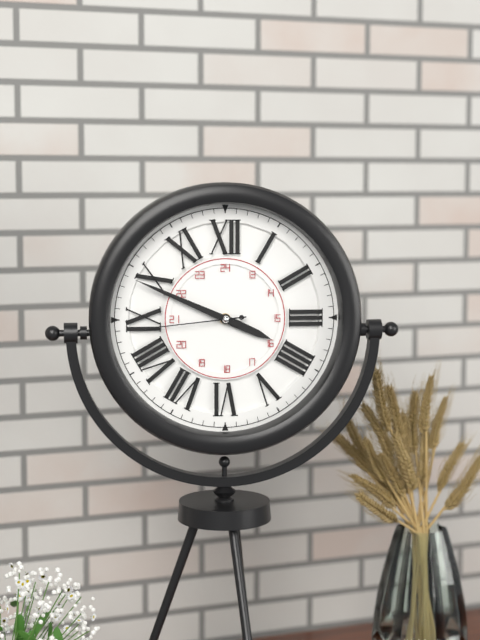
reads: 3,49,44
